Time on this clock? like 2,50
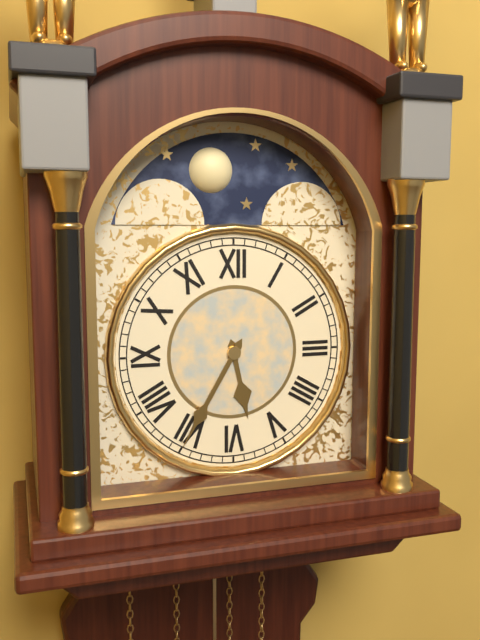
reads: 5,35
